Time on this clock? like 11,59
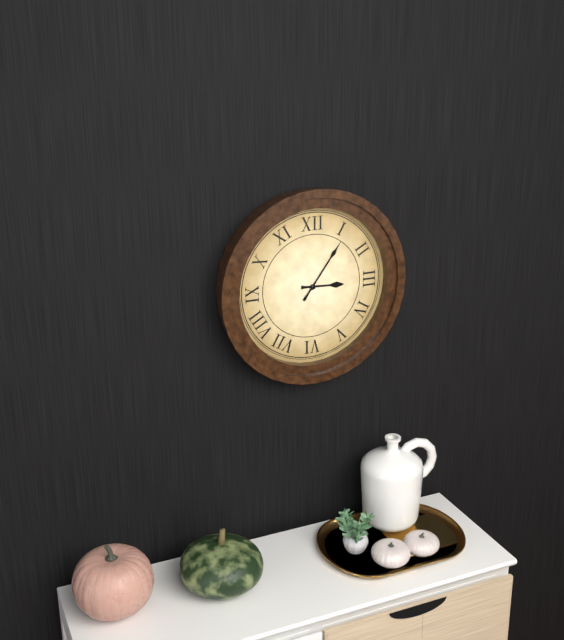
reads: 3,06
